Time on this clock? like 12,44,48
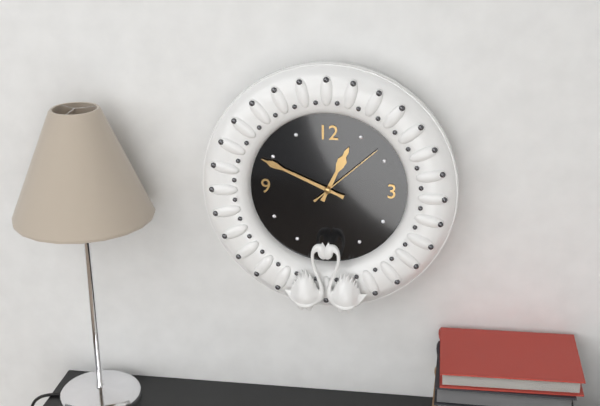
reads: 12,49,08
